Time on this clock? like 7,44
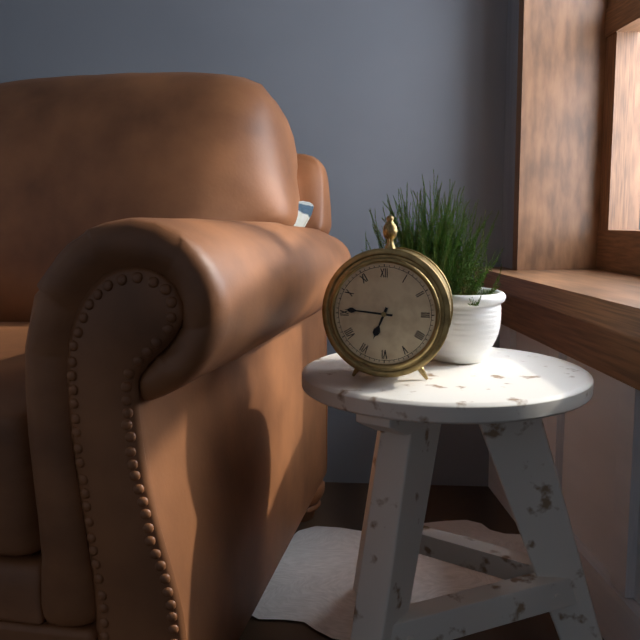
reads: 6,46
